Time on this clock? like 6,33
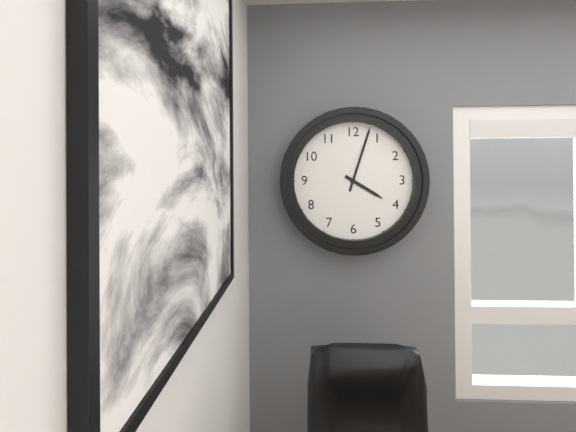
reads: 4,03
